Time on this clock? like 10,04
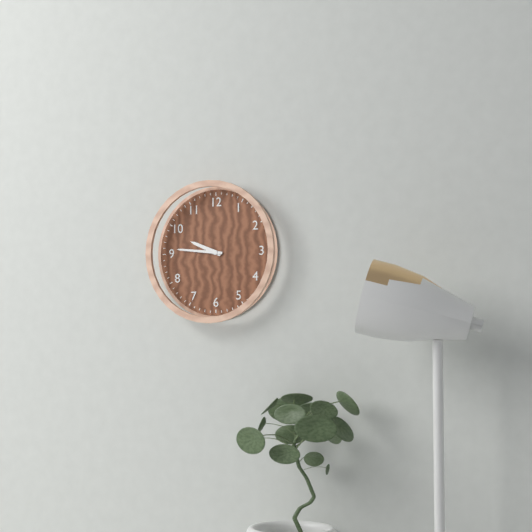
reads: 9,46
